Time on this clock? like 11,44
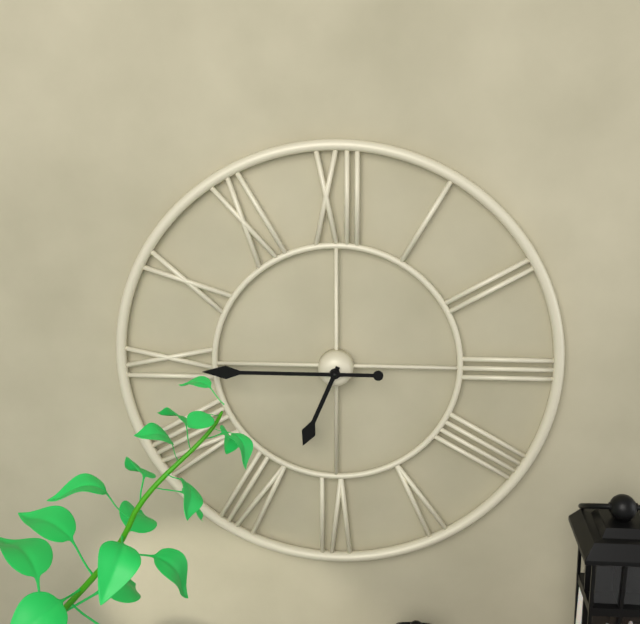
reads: 6,45
